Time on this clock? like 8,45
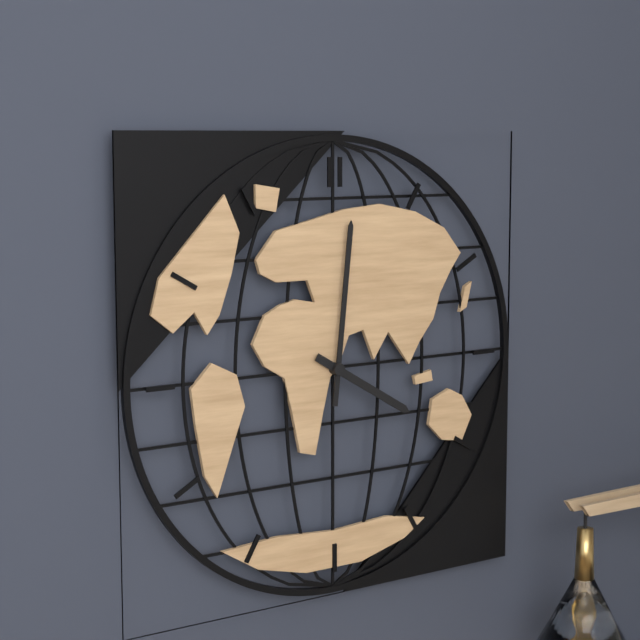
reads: 4,01
